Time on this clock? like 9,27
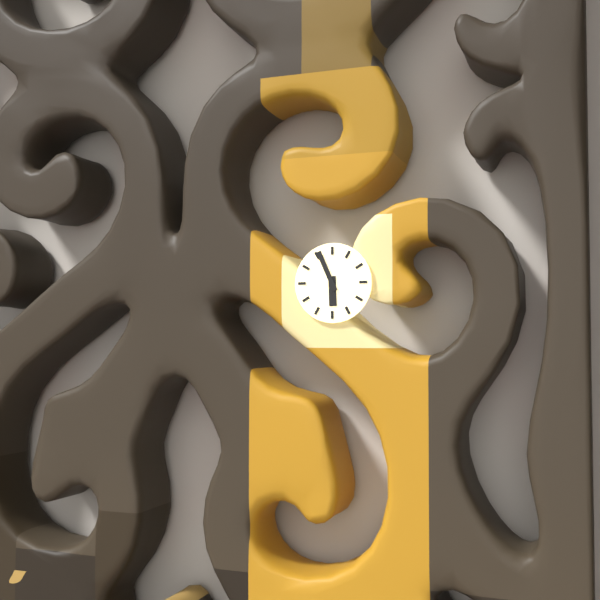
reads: 5,56
